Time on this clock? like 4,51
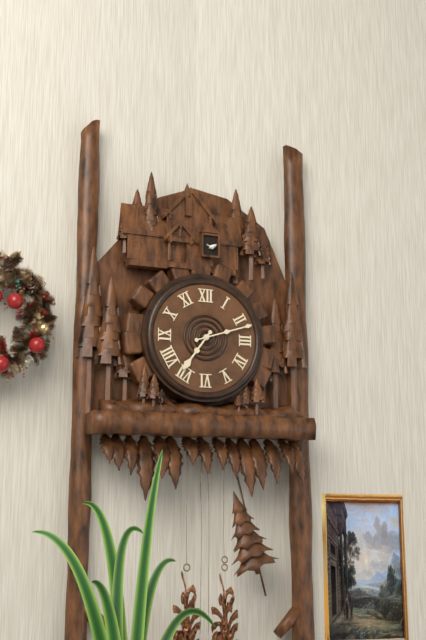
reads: 7,12
